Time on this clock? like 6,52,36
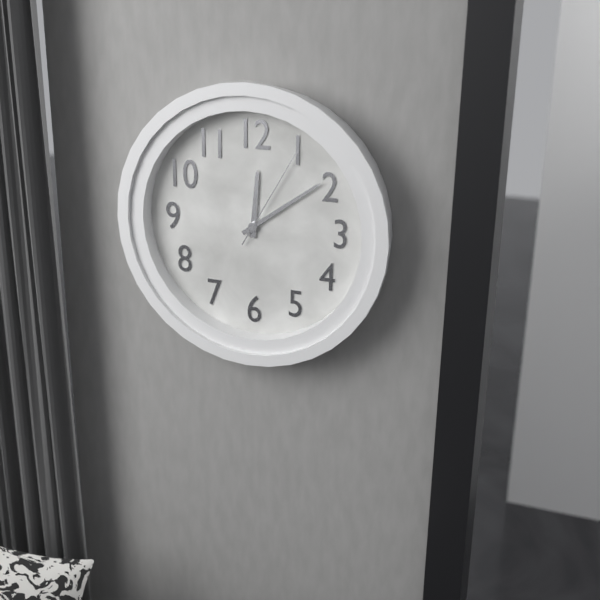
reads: 12,09,05
